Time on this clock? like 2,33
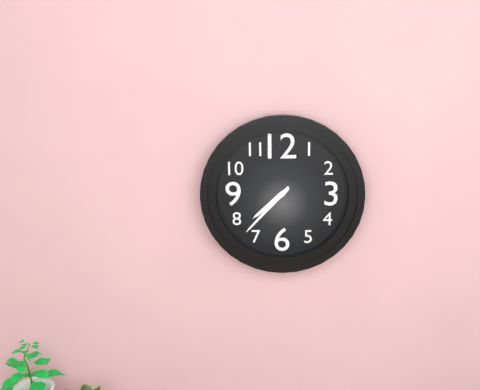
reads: 7,37
